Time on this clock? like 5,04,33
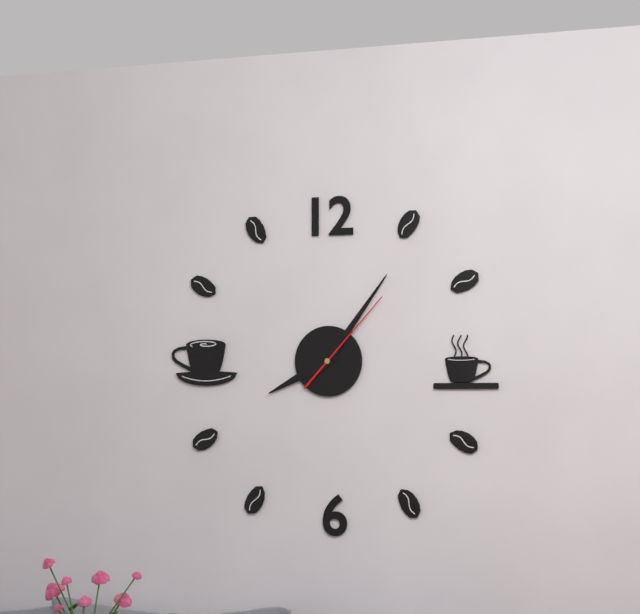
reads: 8,06,07
